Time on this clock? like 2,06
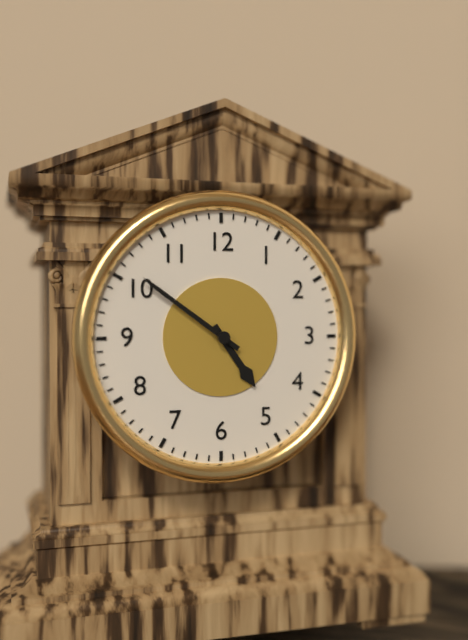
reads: 4,51
